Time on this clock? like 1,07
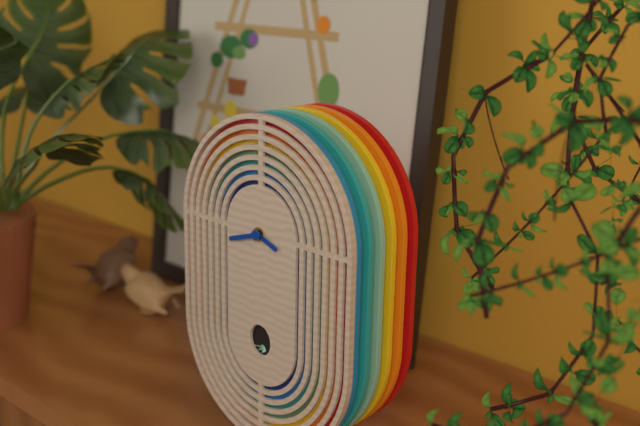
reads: 3,42
